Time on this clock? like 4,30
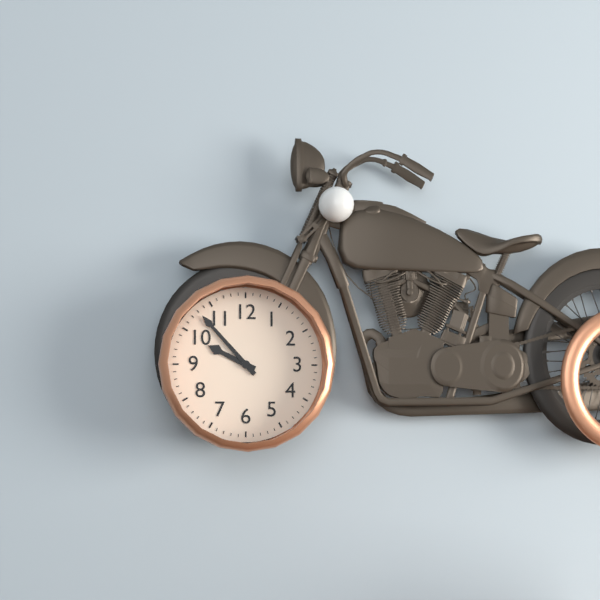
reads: 9,53
